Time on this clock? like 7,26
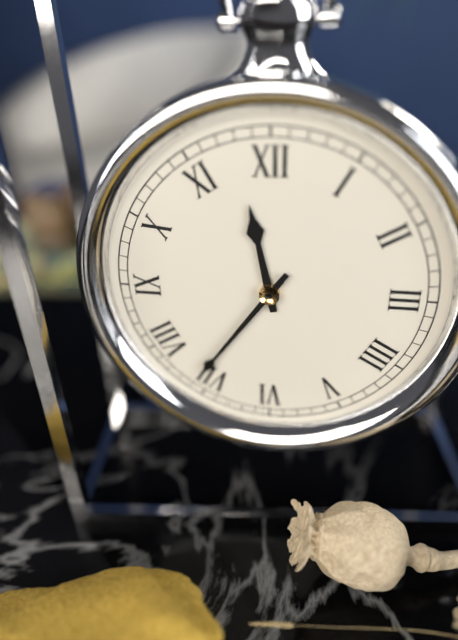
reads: 11,36
